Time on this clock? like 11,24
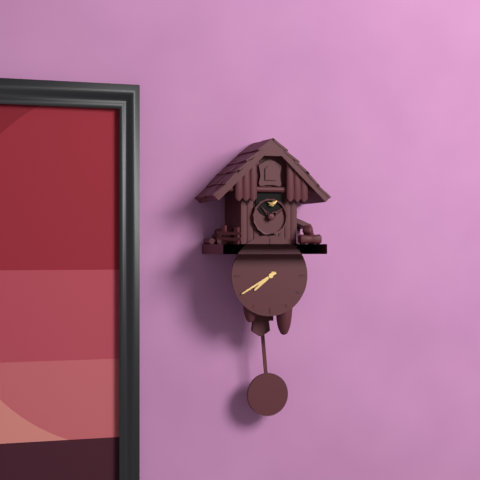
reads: 7,40
